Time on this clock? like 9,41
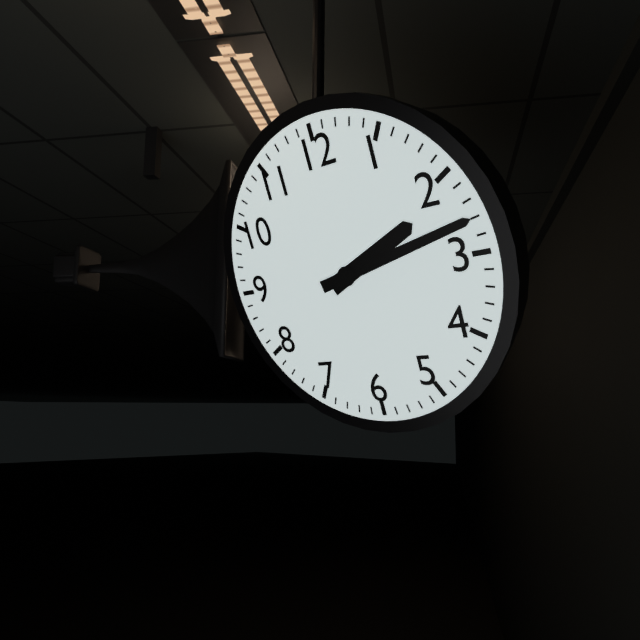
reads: 2,13
